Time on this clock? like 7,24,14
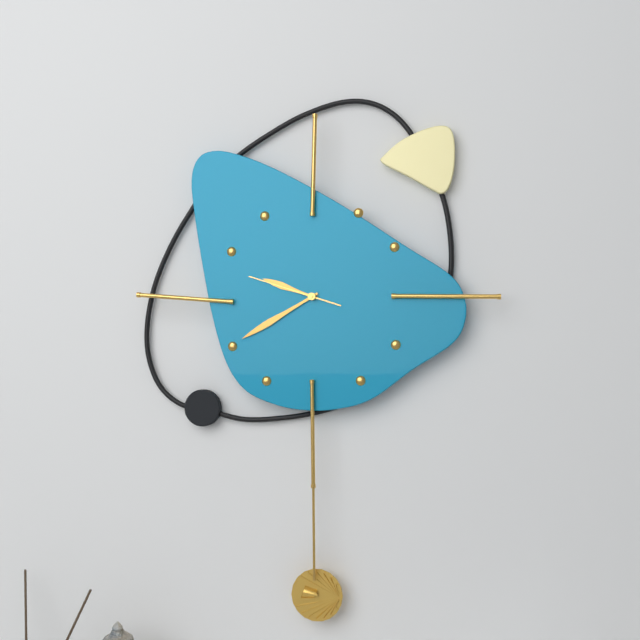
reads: 9,40,48
